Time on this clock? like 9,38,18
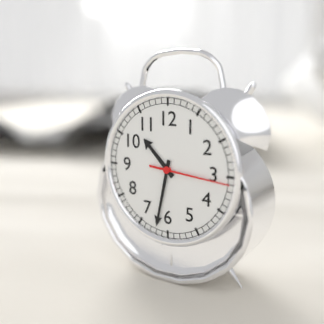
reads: 10,32,16
